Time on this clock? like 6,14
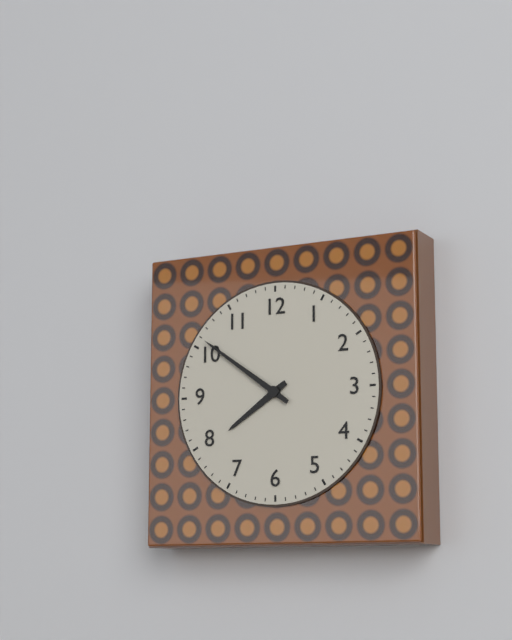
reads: 7,51
